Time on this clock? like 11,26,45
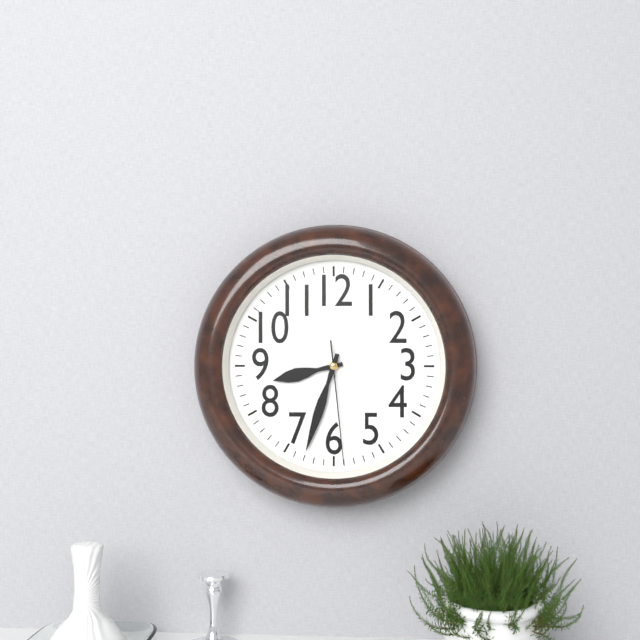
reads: 8,33,29
